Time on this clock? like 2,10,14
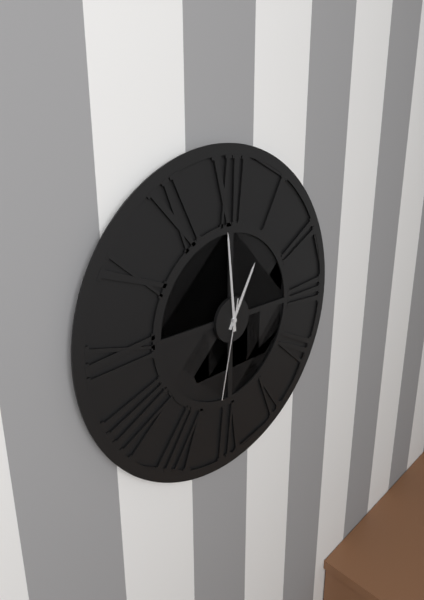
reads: 12,59,32
